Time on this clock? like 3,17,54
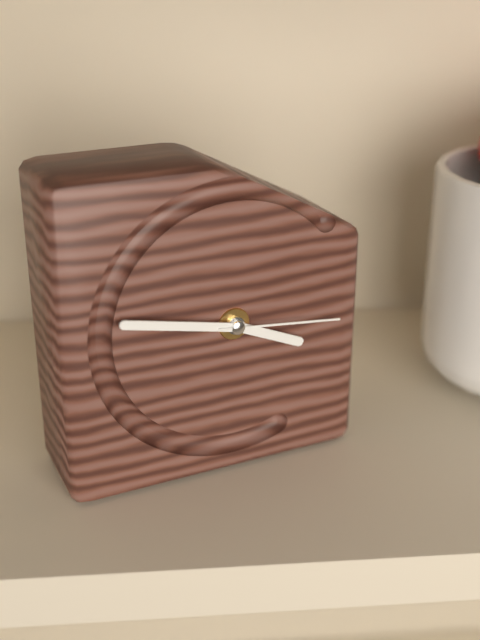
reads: 3,47,16
